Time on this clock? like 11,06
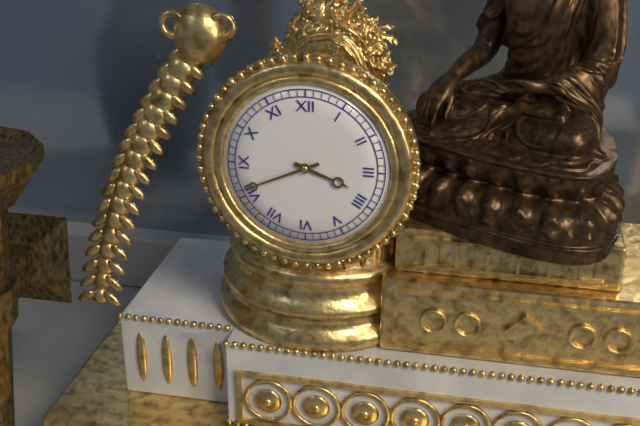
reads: 3,41
